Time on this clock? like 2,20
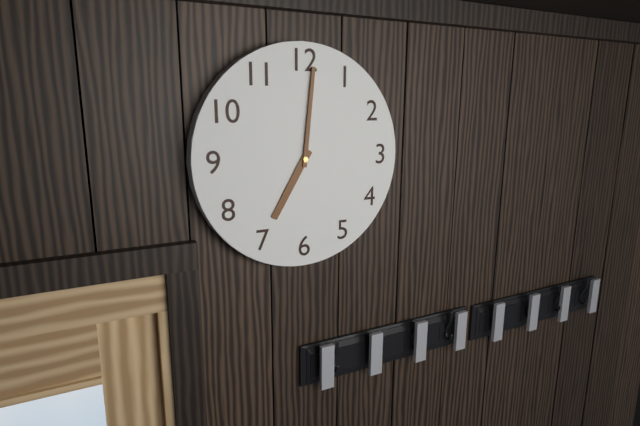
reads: 7,01
